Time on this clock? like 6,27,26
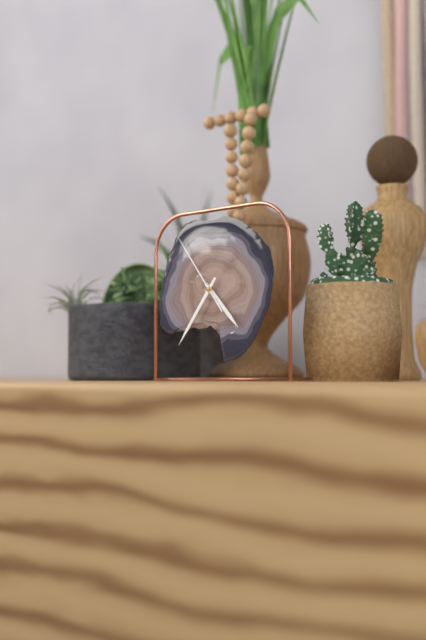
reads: 4,36,54
